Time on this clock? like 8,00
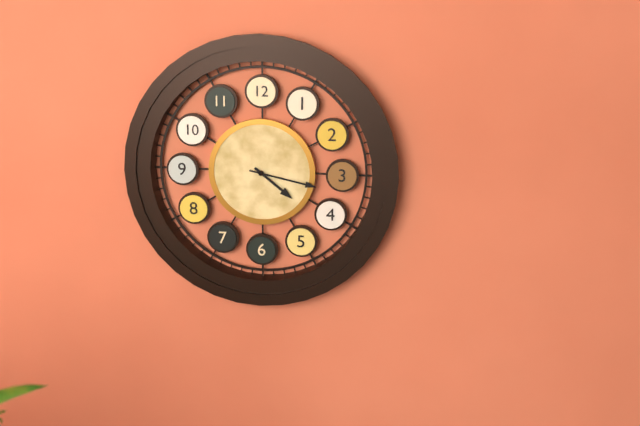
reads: 4,17
